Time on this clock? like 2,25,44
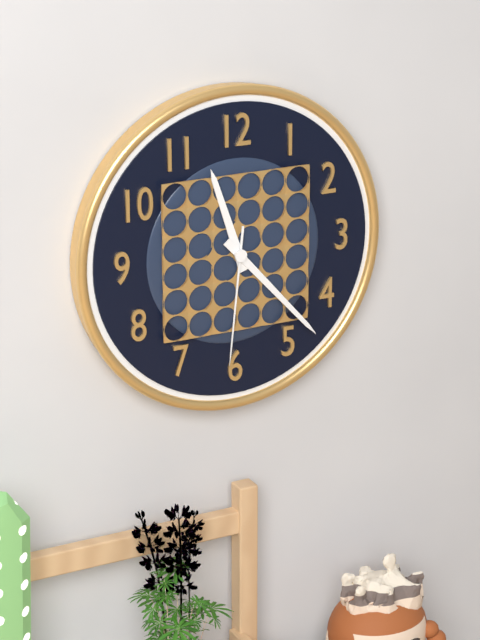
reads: 11,23,31
